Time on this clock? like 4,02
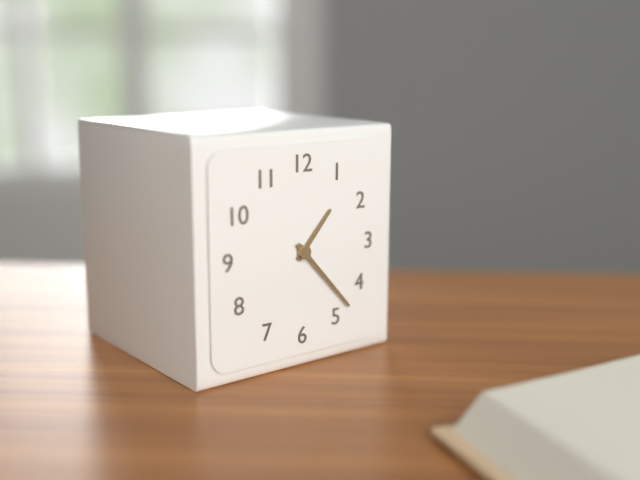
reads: 1,23
